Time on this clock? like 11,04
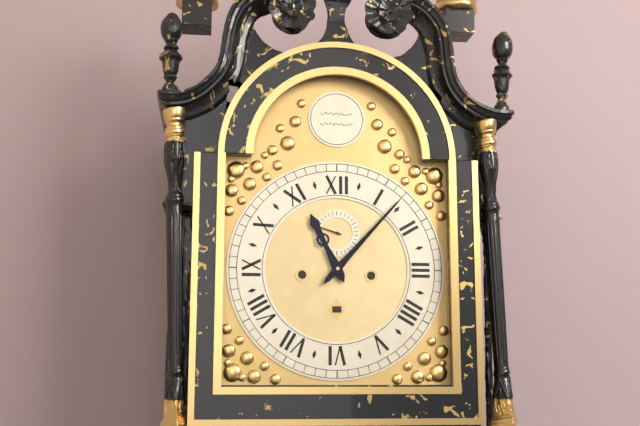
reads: 11,07
